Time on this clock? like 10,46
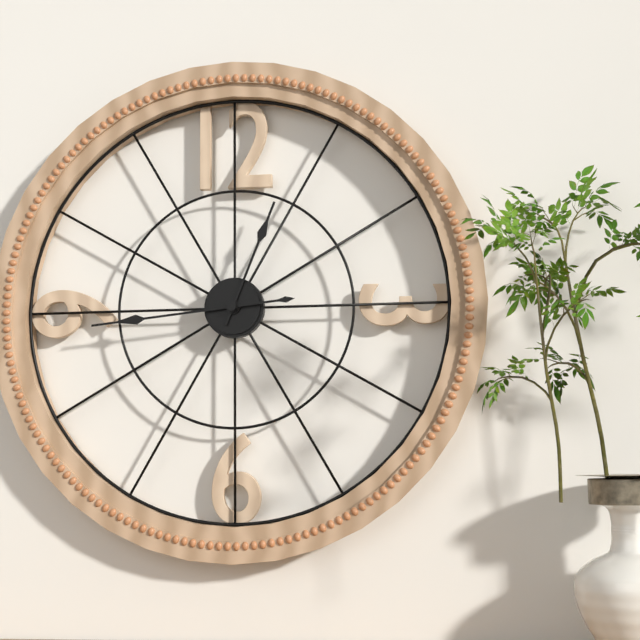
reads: 12,44
